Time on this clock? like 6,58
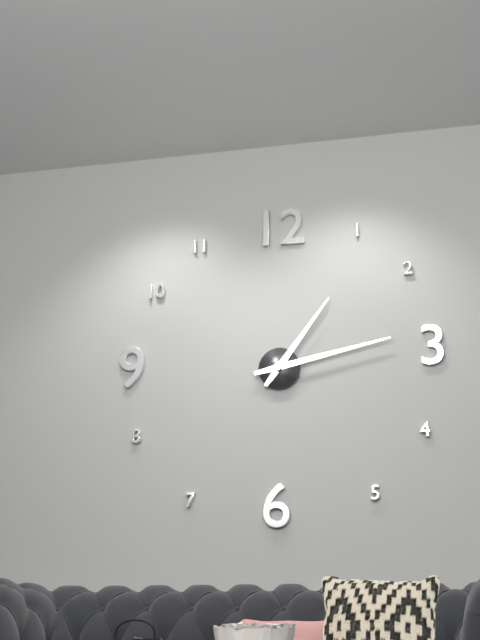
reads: 1,13
